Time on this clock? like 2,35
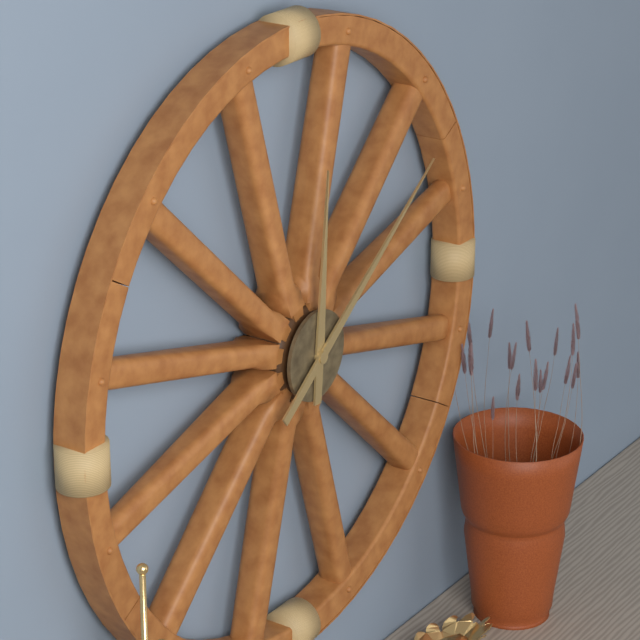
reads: 12,09
